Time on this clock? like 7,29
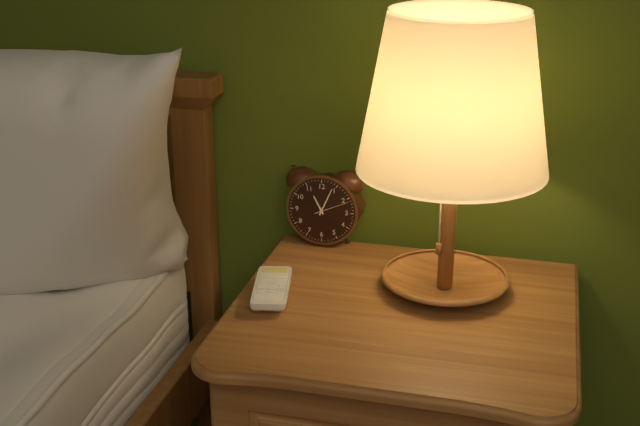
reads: 11,04
